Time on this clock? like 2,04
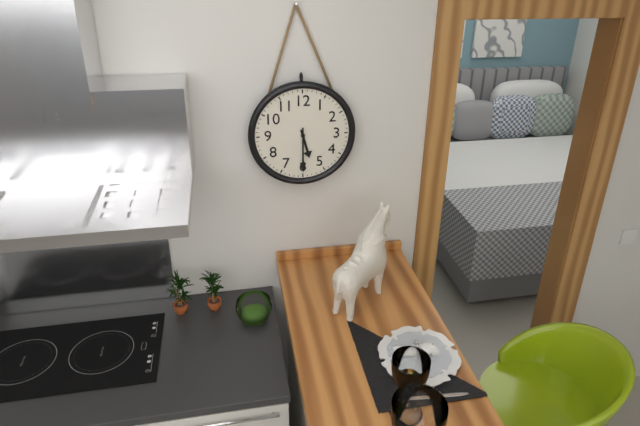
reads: 5,30
